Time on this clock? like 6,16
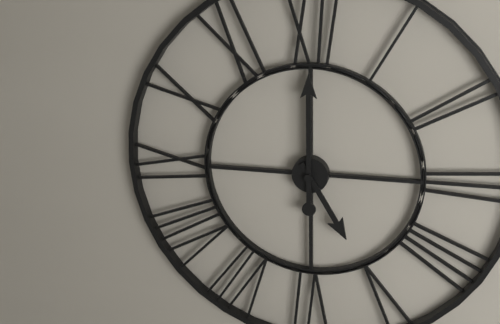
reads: 5,00
